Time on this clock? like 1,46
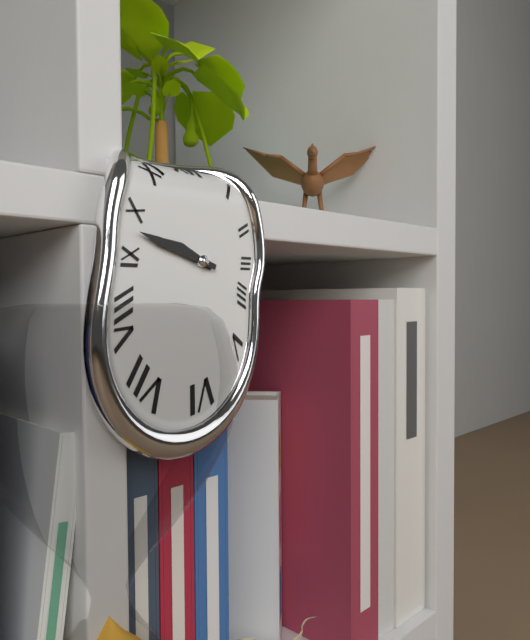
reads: 9,48
